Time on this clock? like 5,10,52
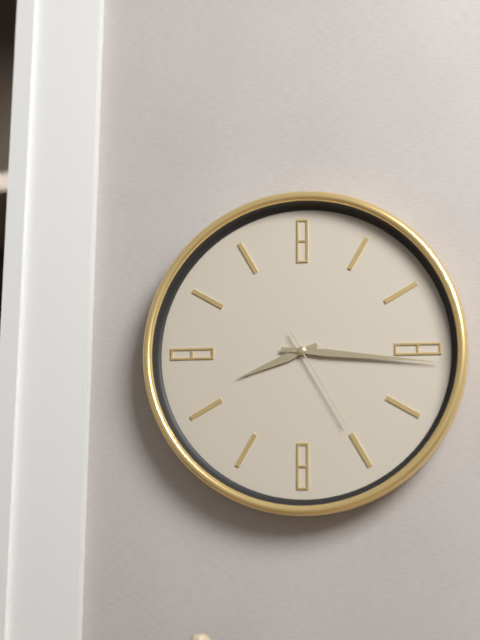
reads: 8,16,25
